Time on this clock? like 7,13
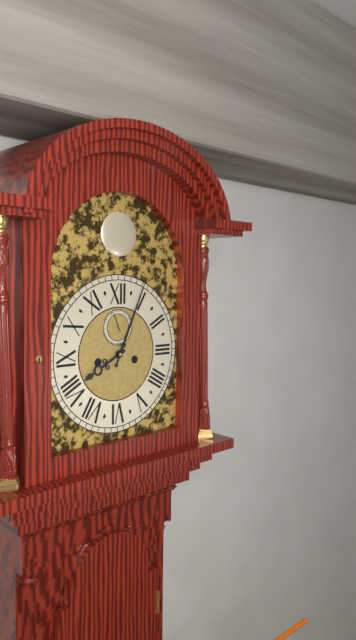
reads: 8,04
